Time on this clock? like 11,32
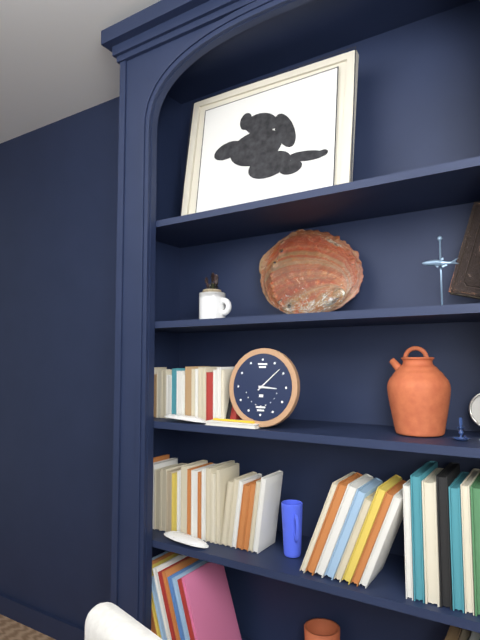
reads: 3,08
